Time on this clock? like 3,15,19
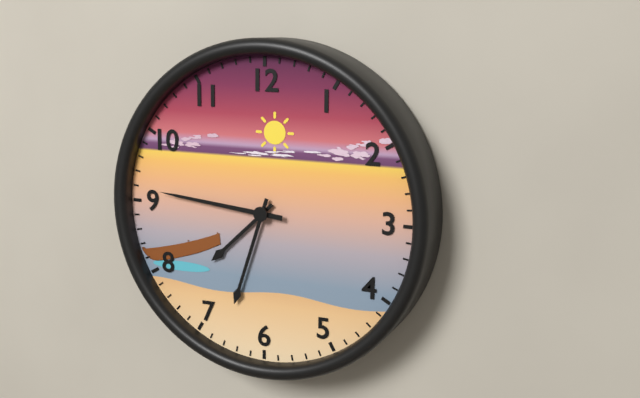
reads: 7,33,46
